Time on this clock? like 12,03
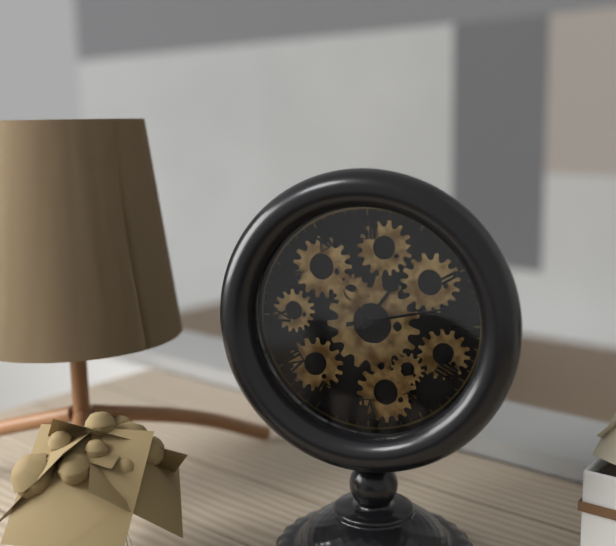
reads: 1,13
